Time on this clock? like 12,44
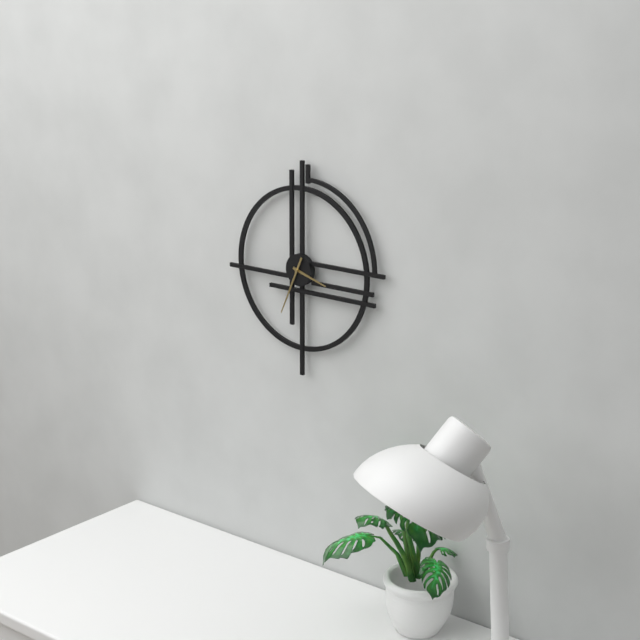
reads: 3,34
